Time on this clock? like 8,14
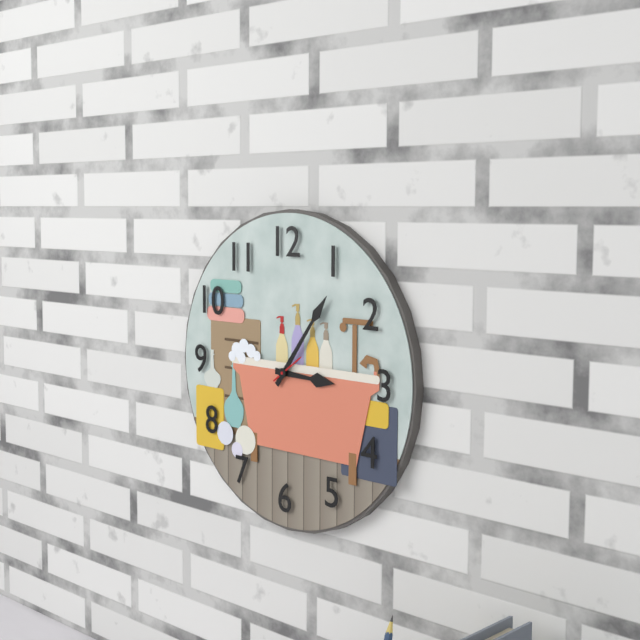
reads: 3,06
